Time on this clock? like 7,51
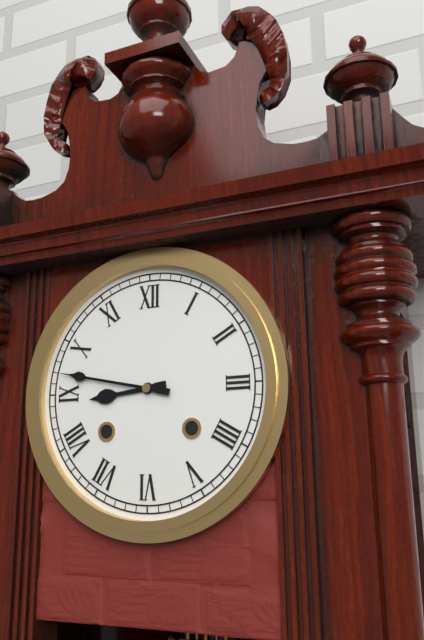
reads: 8,47
